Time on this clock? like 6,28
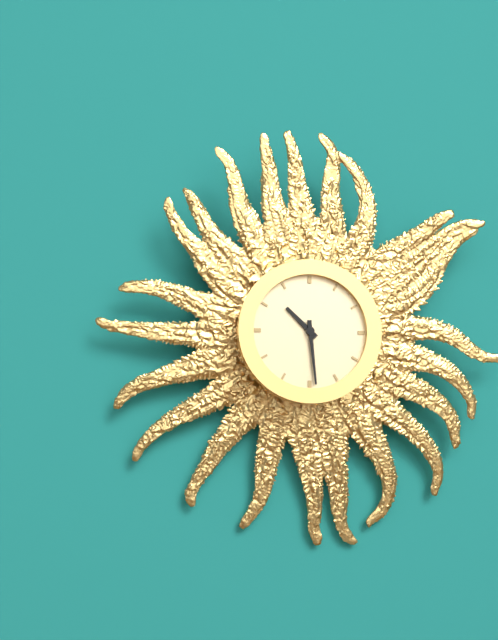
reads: 10,29
